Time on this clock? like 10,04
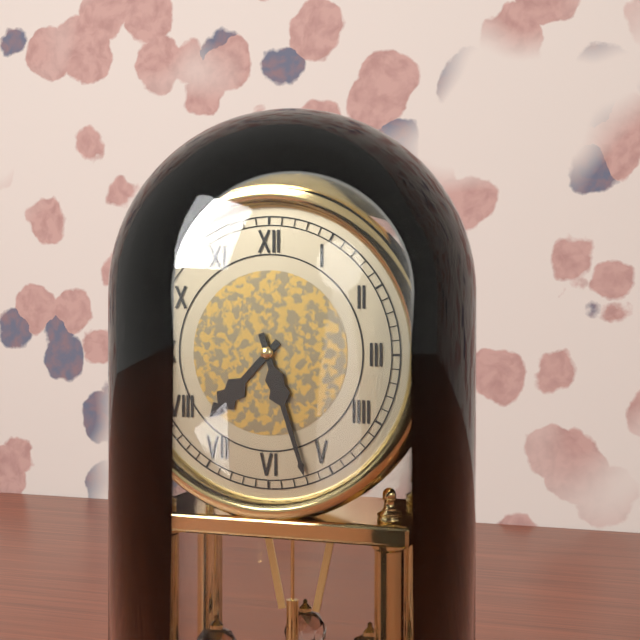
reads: 7,27
